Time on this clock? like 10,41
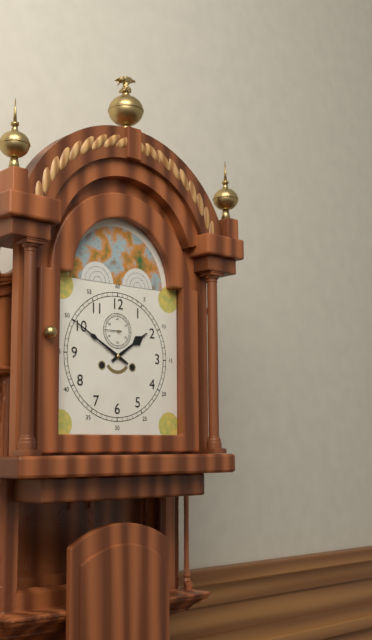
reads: 1,50
